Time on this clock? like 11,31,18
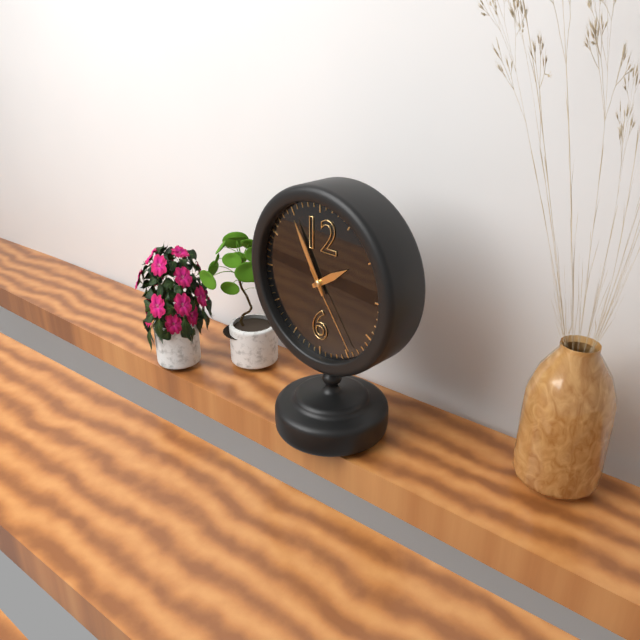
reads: 1,55,24
